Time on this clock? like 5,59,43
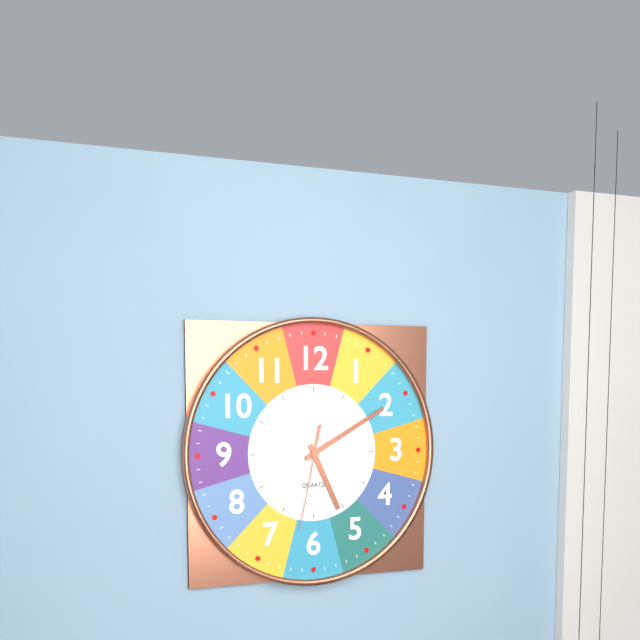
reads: 5,10,32
